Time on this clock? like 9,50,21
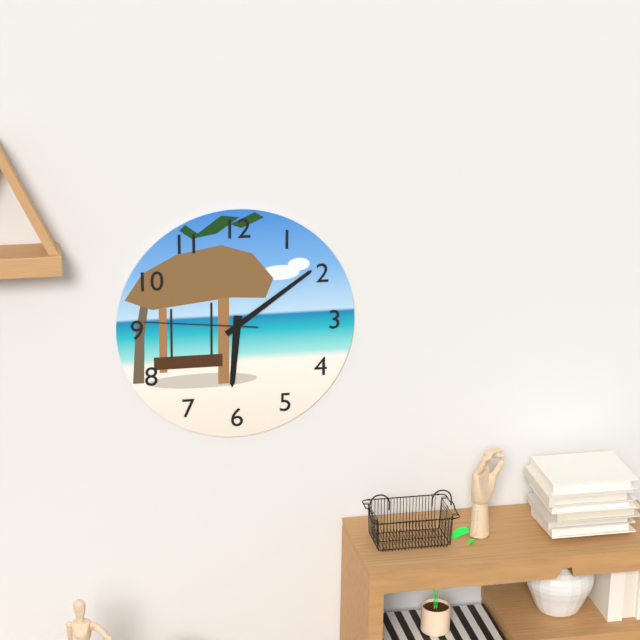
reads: 6,09,46
